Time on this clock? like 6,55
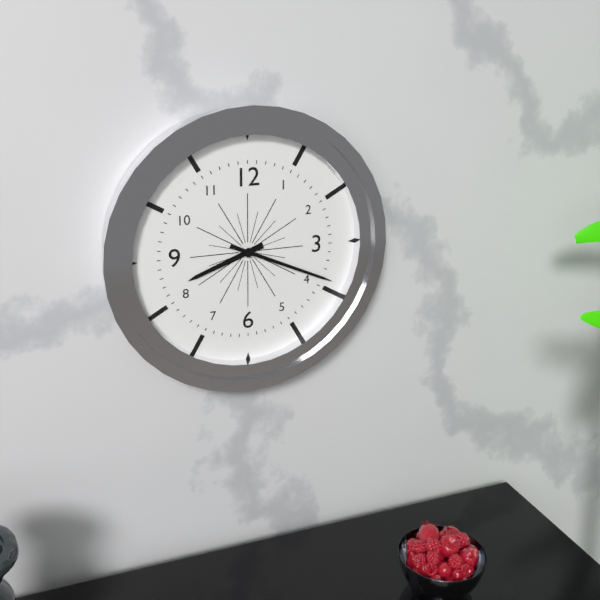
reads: 8,19
